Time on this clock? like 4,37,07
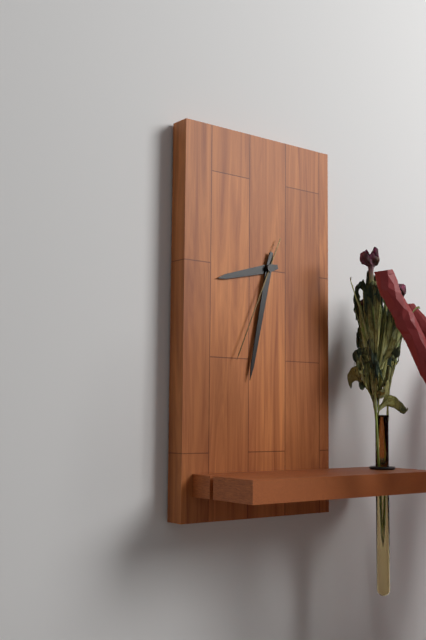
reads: 8,32,34
